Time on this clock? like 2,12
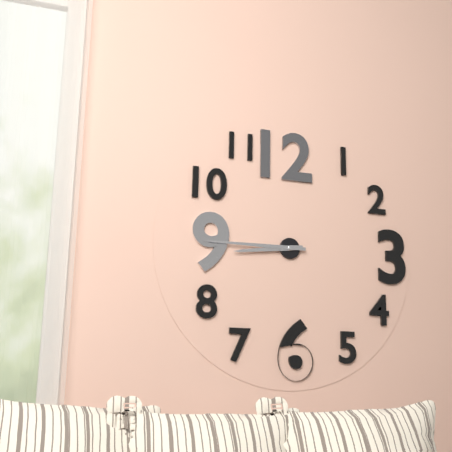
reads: 8,45
